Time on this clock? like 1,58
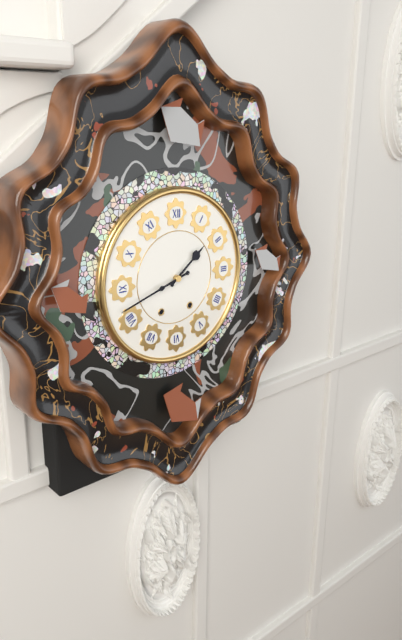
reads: 1,42
